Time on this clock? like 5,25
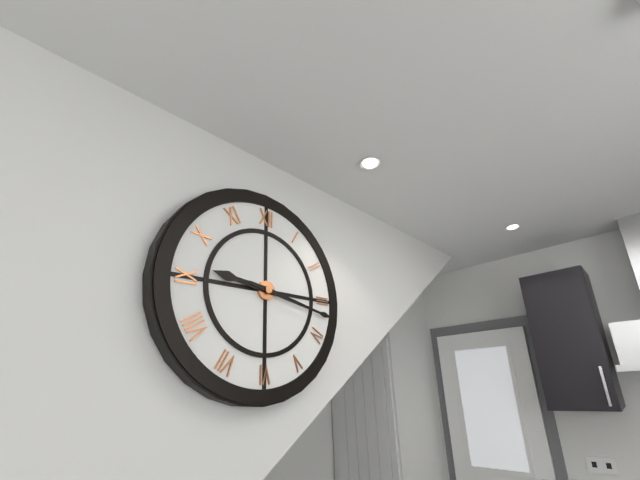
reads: 9,17
